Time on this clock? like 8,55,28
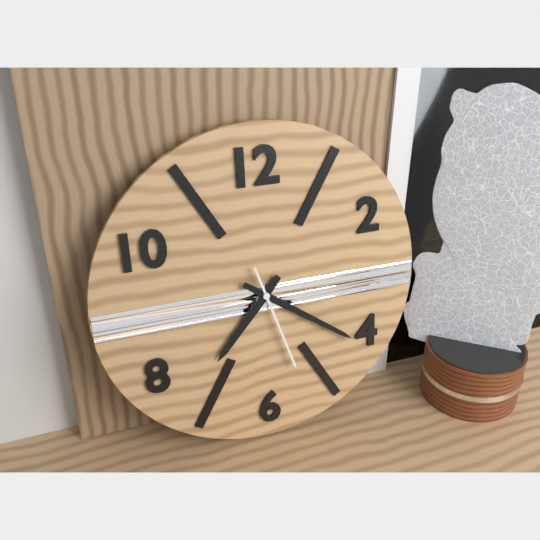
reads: 7,21,27
